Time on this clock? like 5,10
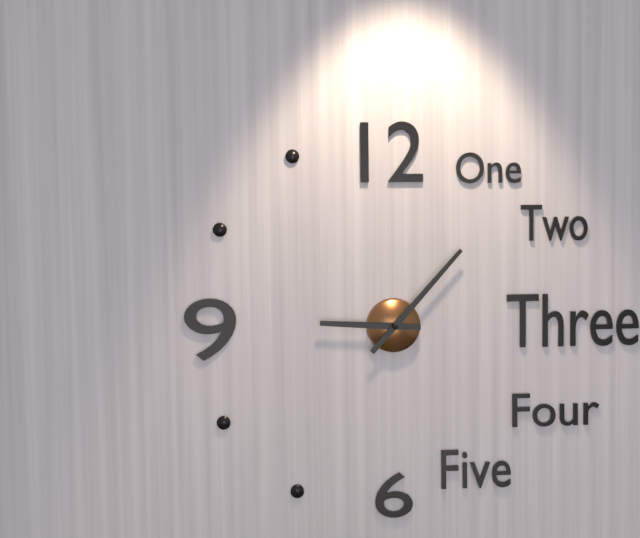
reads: 9,07
